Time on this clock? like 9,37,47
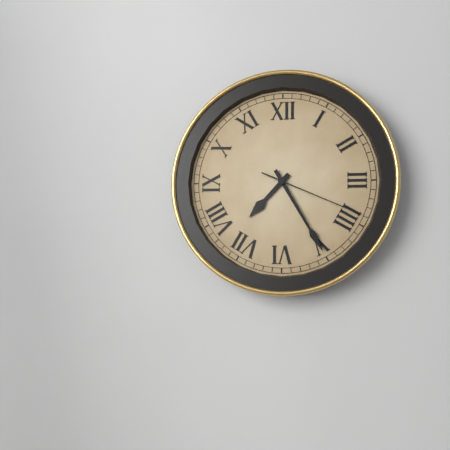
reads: 7,25,19
